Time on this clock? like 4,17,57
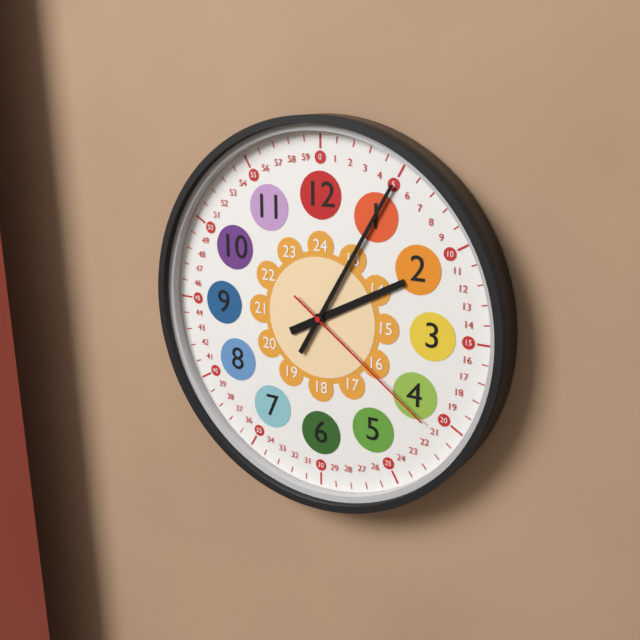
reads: 2,05,21
